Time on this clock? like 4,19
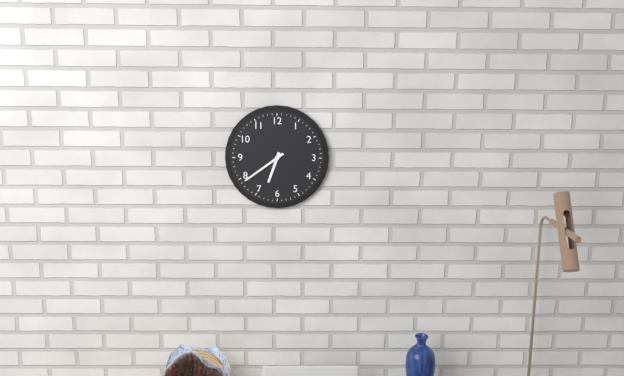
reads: 6,39
